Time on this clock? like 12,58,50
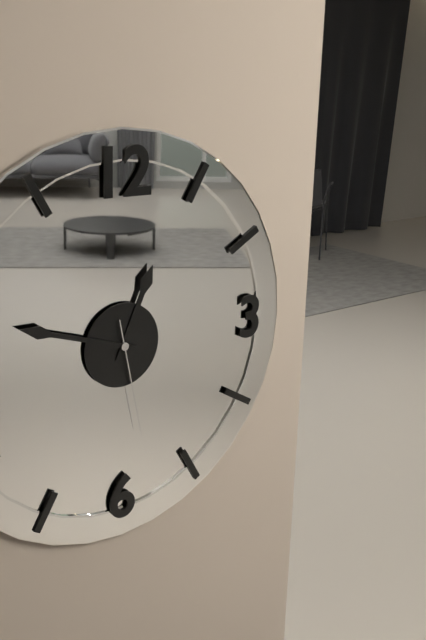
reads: 12,48,28
